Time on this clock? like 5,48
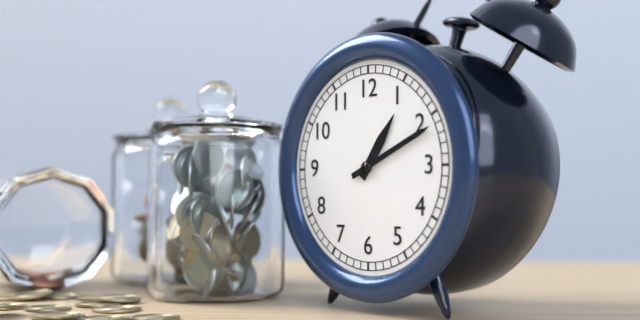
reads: 1,11
